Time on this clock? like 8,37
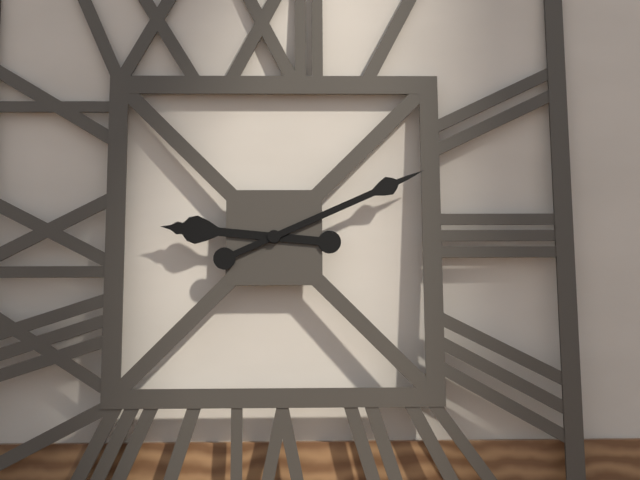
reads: 9,11
